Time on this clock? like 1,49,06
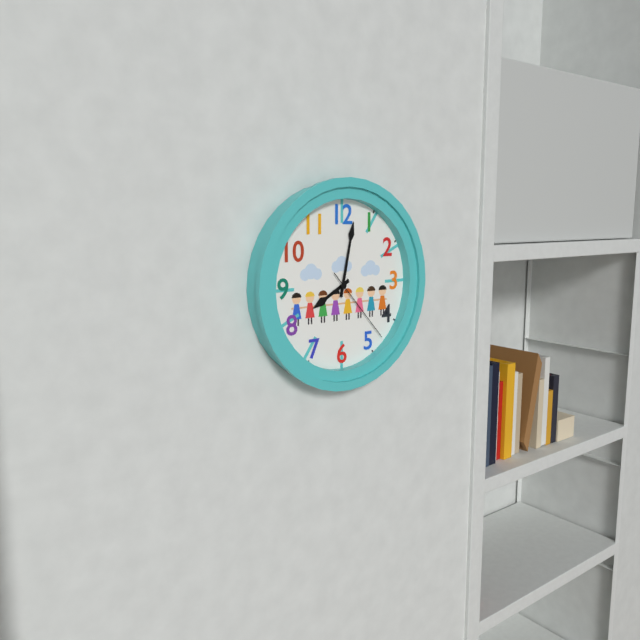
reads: 8,02,23
